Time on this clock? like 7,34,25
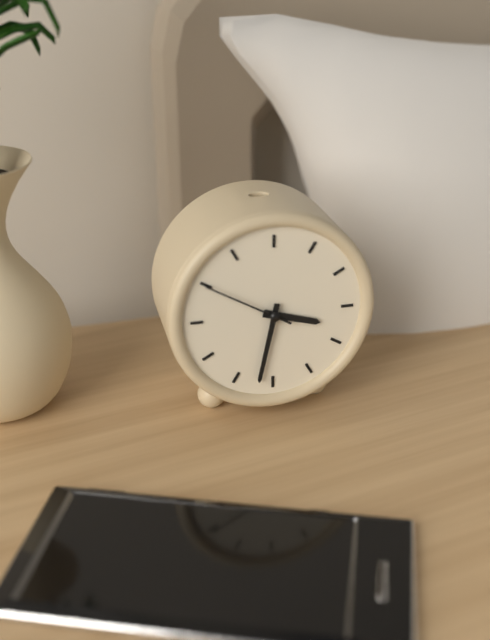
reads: 3,32,50
